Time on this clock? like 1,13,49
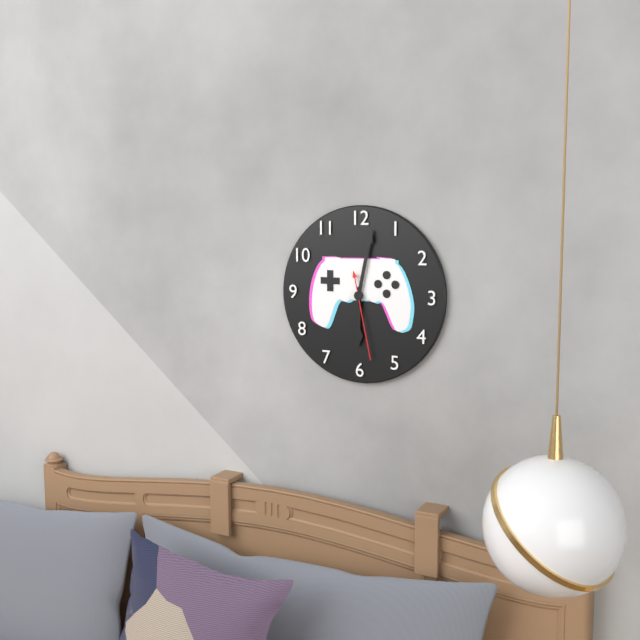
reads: 6,02,28
